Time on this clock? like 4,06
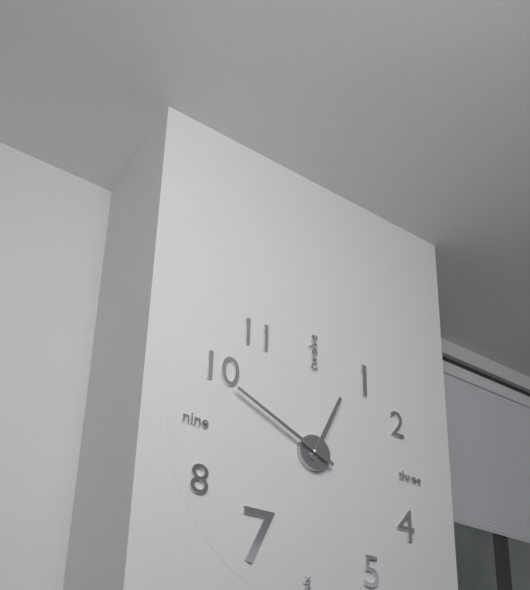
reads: 12,49
